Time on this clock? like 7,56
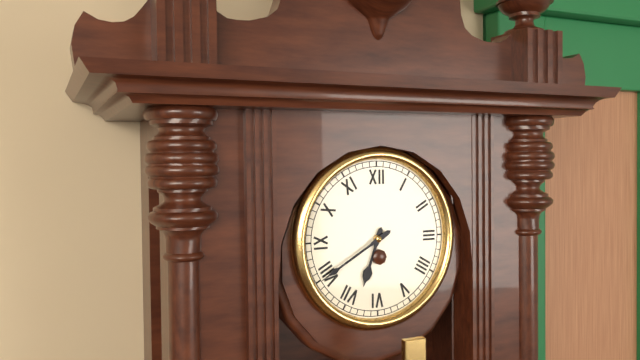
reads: 6,40
